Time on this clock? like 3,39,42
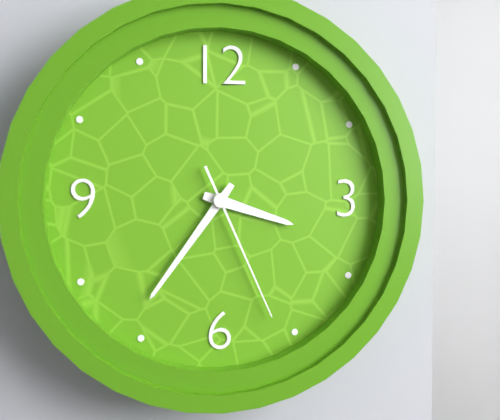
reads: 3,36,26
